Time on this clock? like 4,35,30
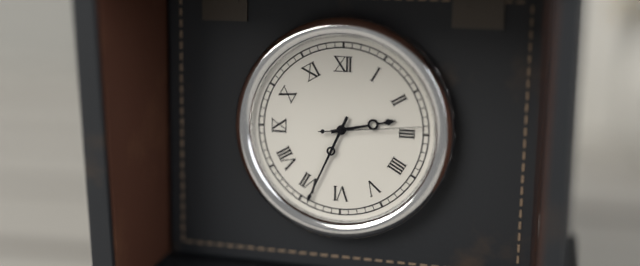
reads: 2,34,14
